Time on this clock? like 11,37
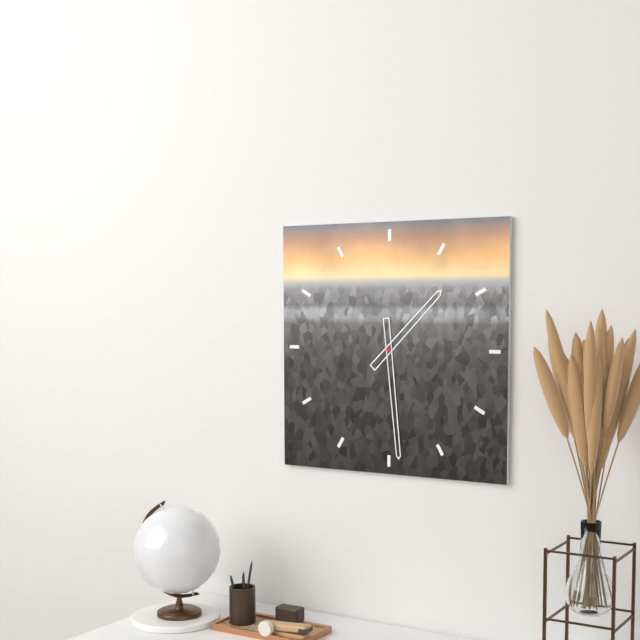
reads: 1,29
